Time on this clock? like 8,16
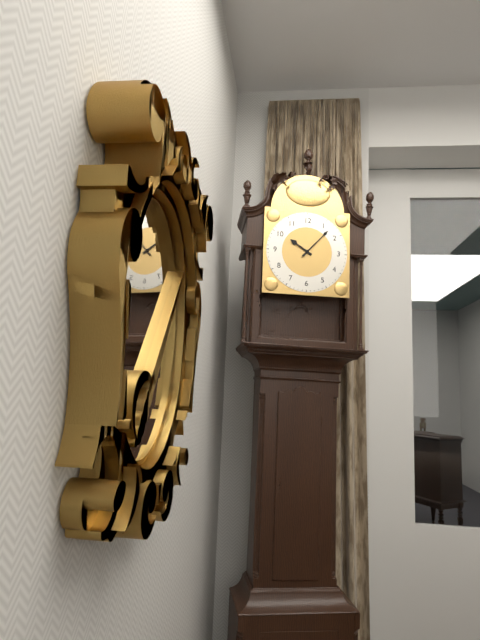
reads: 10,07
